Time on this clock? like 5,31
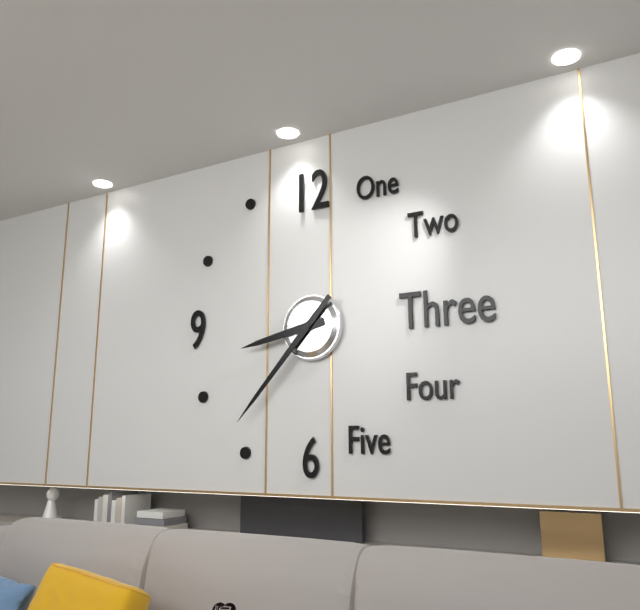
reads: 8,37
